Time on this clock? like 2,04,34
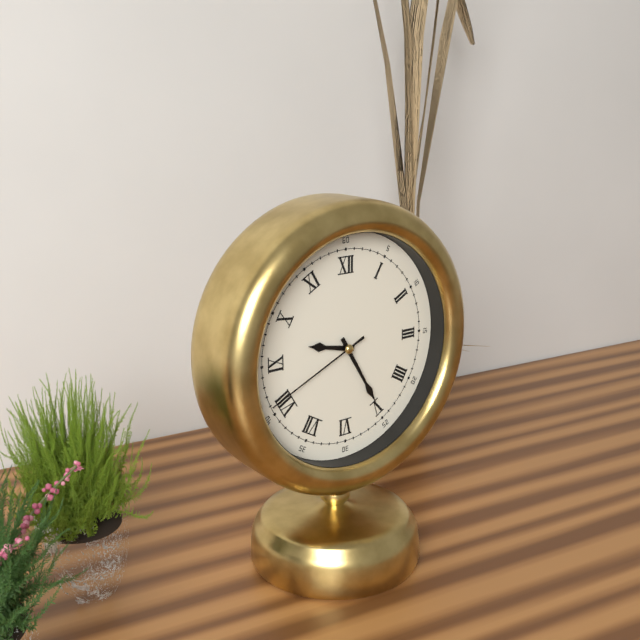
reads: 9,25,41
